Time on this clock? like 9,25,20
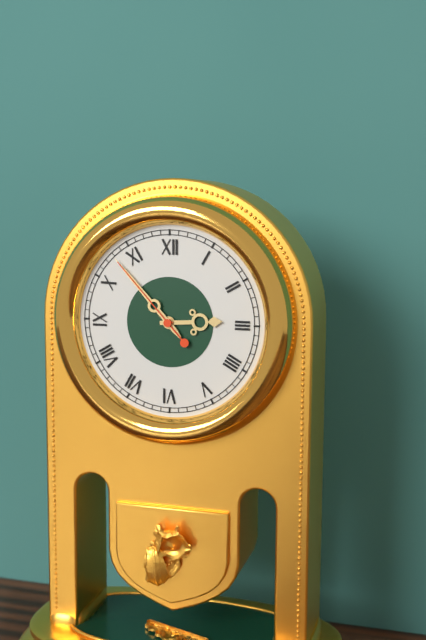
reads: 2,53,53
